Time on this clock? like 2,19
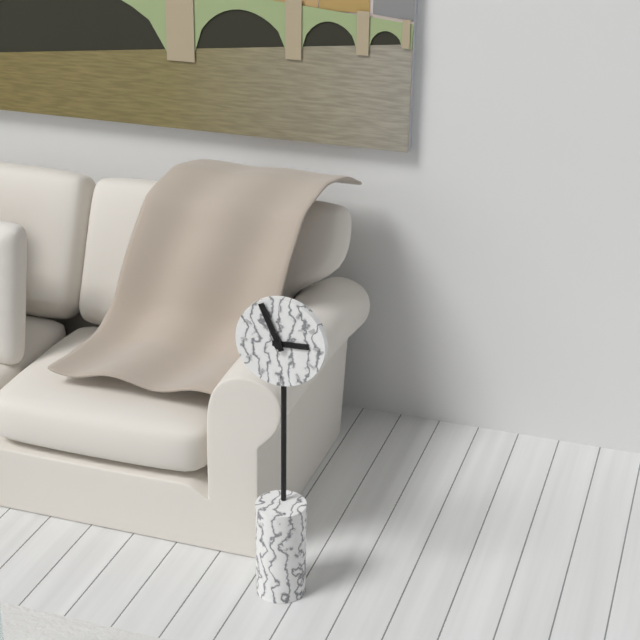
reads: 2,56
